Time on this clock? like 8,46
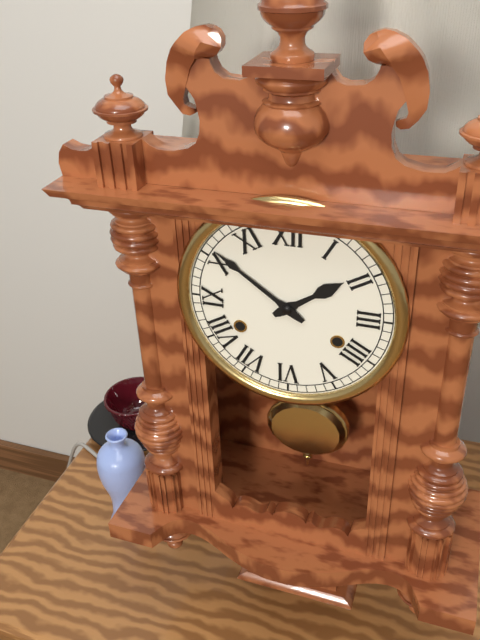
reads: 1,51
